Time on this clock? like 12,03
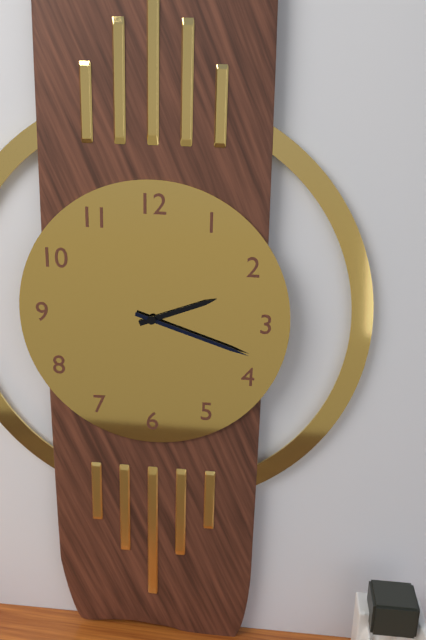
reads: 2,18
